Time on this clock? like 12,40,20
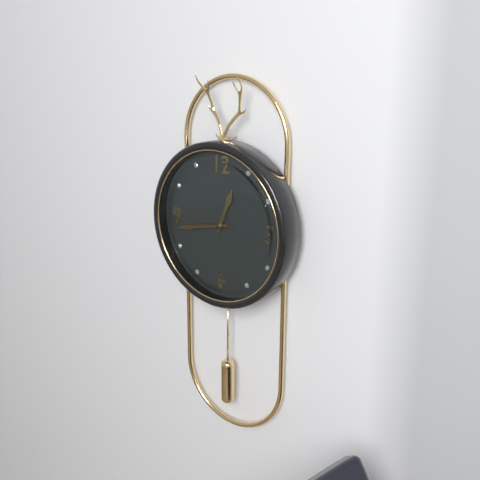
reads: 12,43,44
